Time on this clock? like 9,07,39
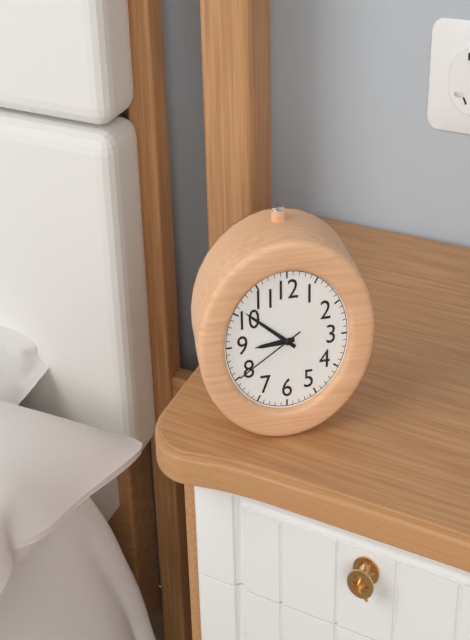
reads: 8,51,40
